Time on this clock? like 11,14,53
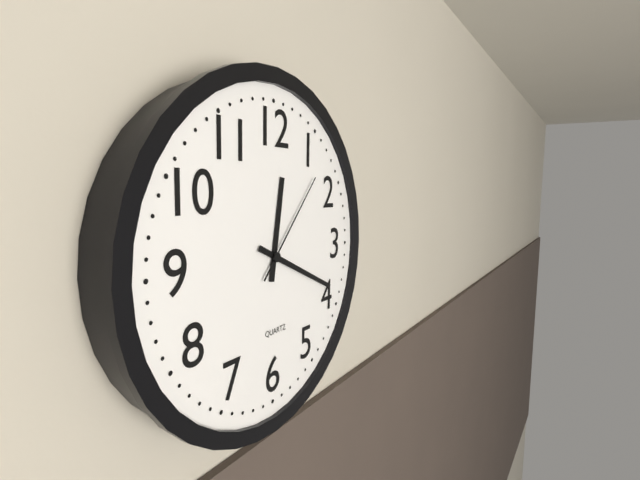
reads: 12,19,07
